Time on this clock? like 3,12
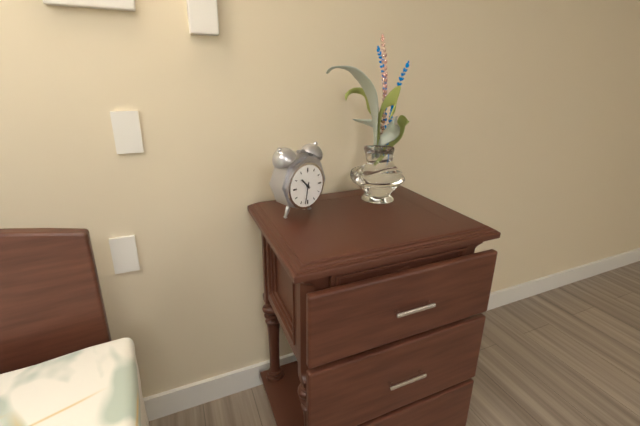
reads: 10,32
